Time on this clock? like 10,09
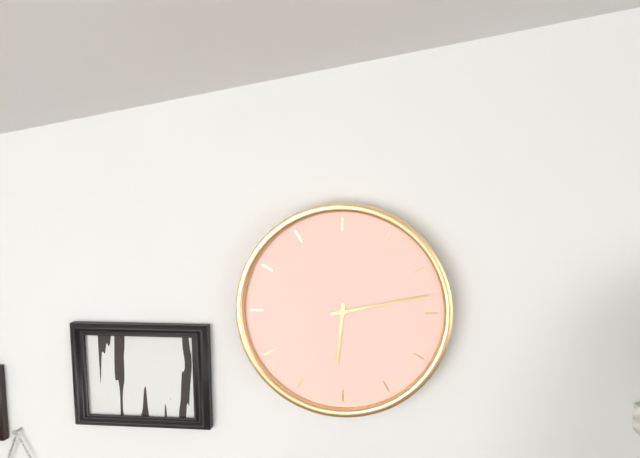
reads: 6,13
